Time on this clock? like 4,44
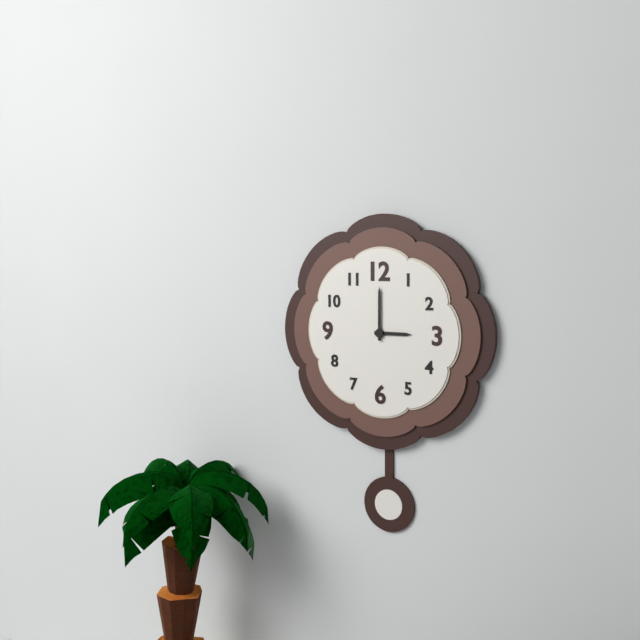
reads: 3,00
